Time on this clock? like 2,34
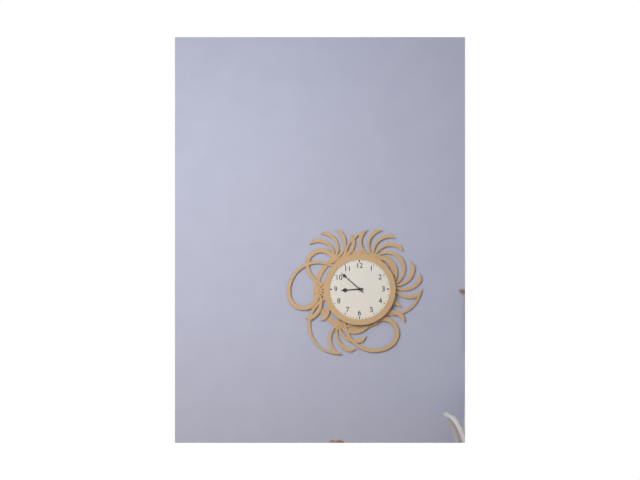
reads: 8,52
